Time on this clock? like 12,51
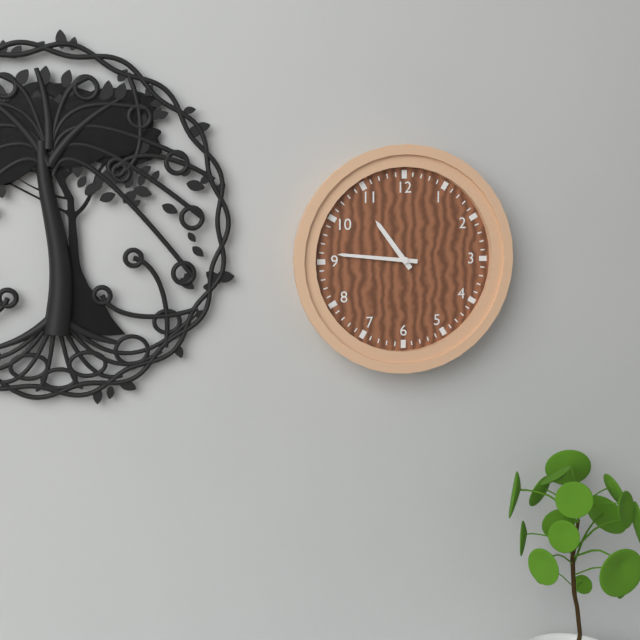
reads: 10,46
